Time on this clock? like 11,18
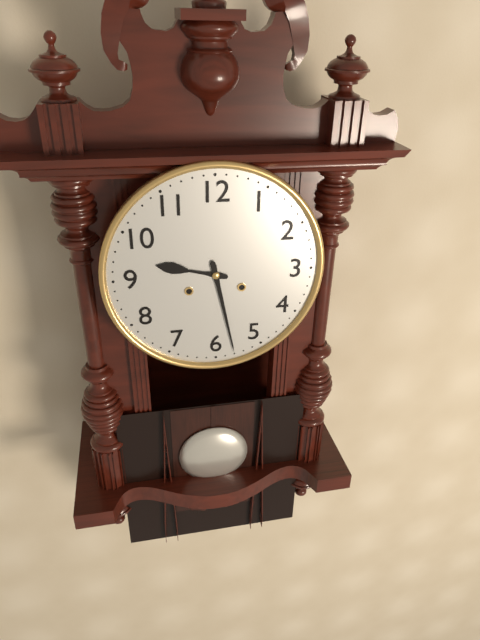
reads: 9,28
